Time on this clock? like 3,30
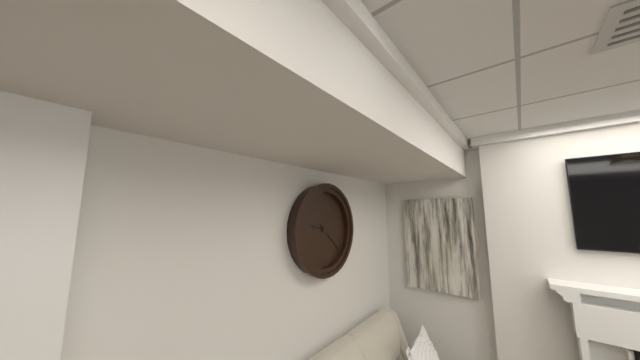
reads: 9,22
